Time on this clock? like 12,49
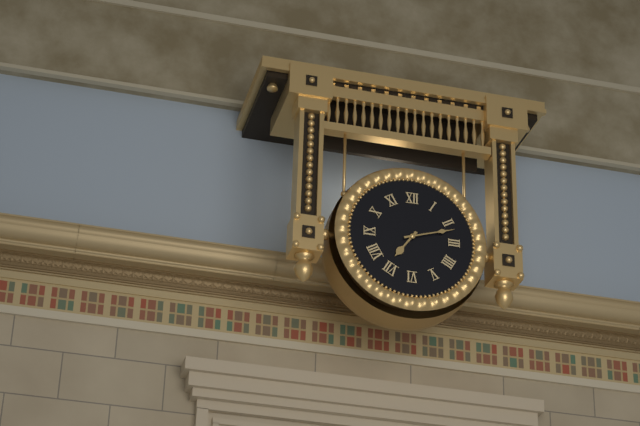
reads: 7,12
